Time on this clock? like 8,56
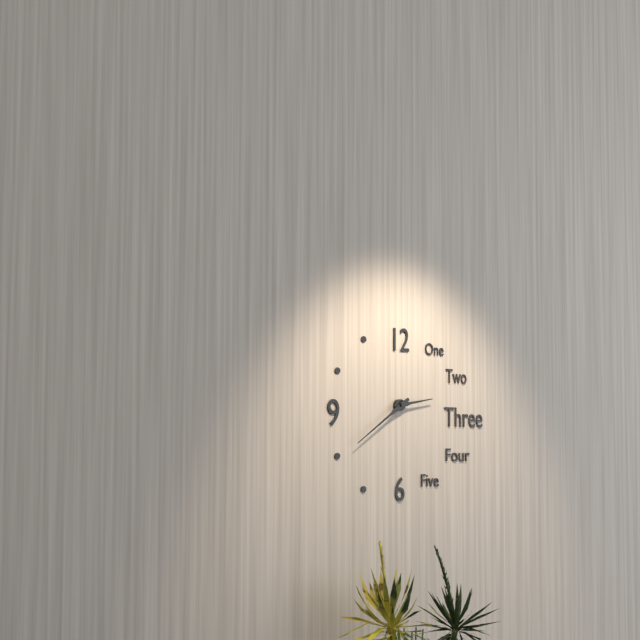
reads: 2,39
